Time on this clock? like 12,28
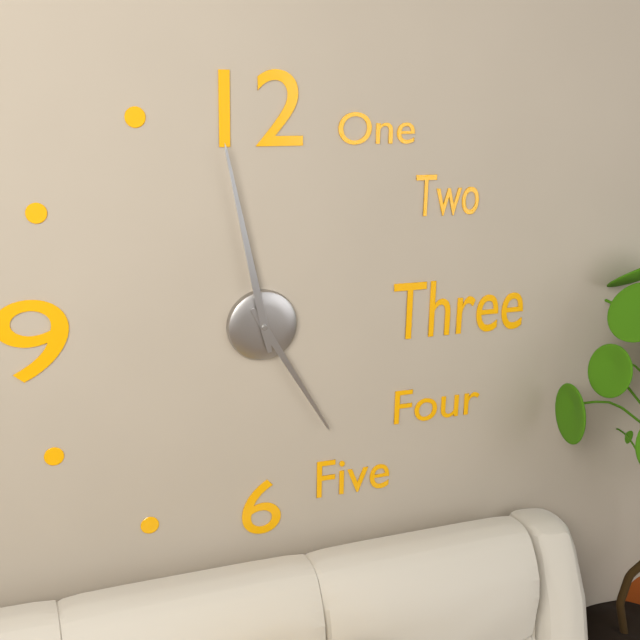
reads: 4,58
